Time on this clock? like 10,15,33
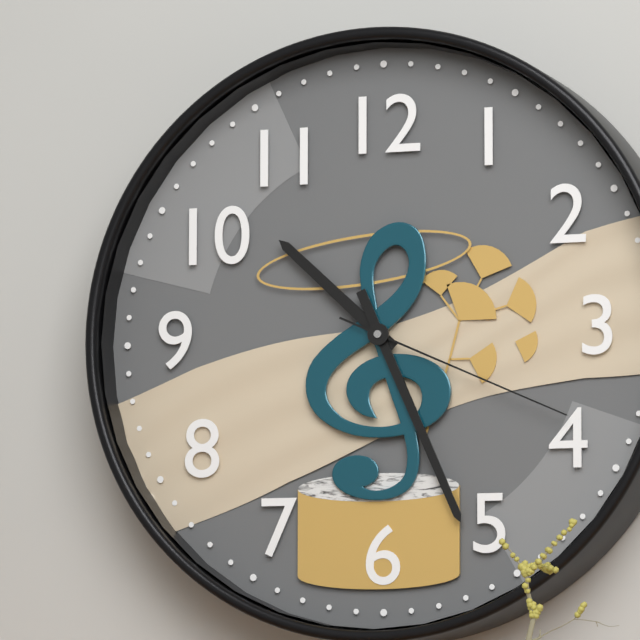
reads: 10,26,19
